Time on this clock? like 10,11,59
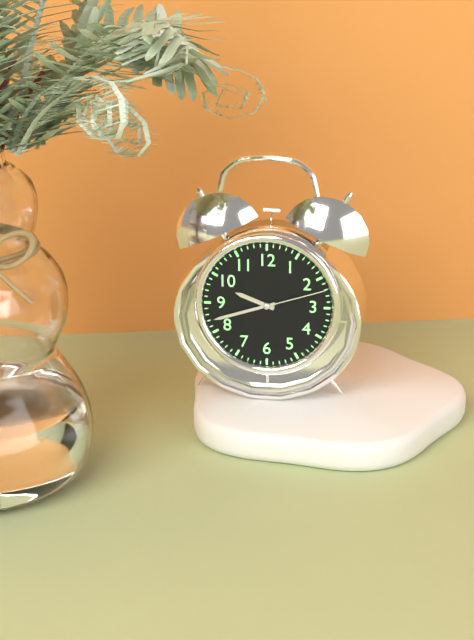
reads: 9,42,12
